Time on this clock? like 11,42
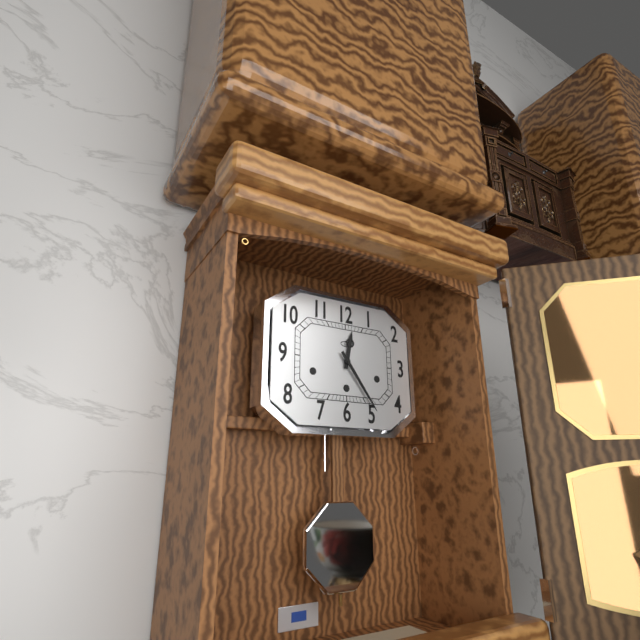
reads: 12,24
